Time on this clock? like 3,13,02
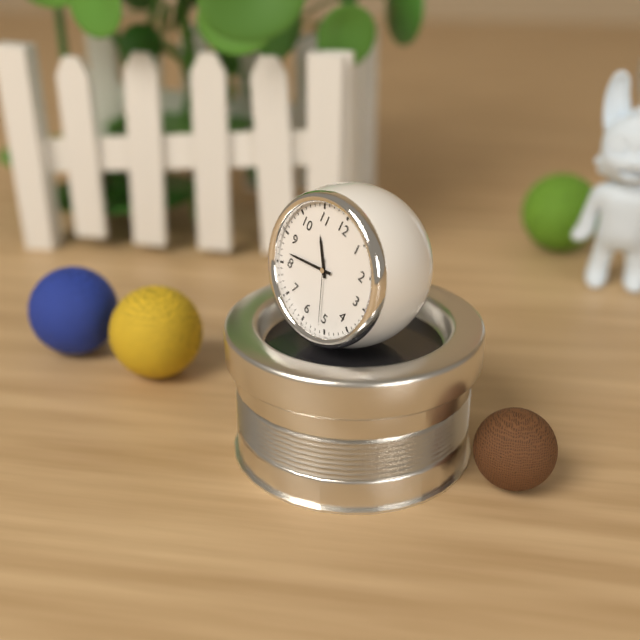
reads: 10,42,26
